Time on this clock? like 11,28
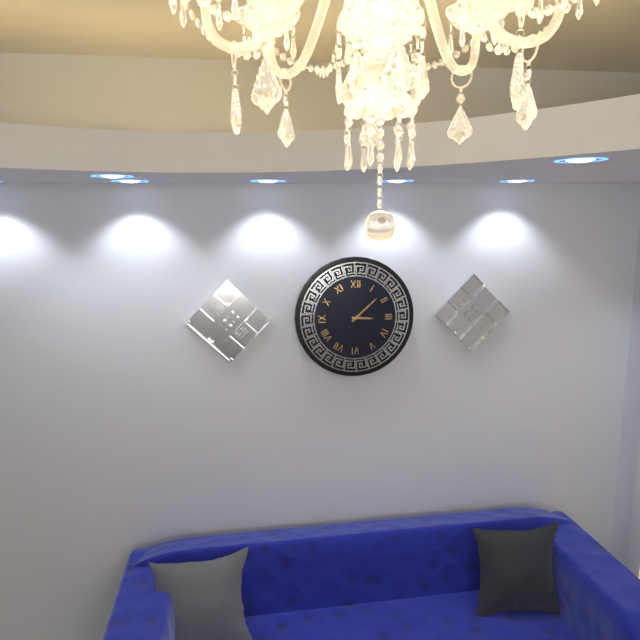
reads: 3,08
